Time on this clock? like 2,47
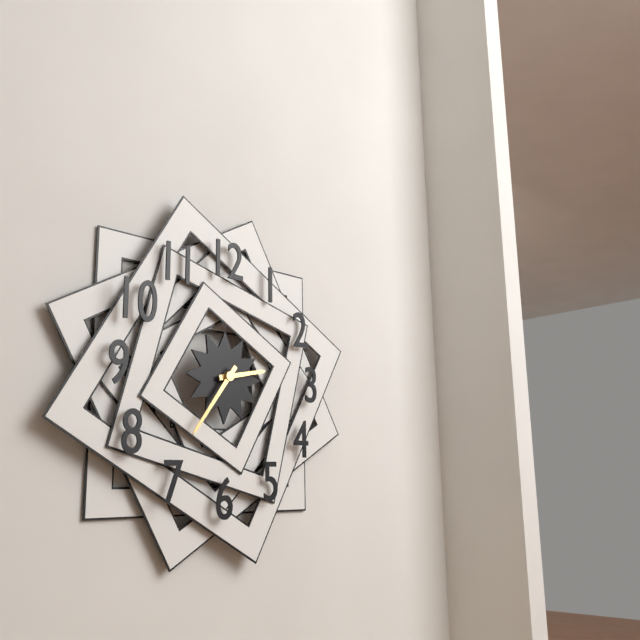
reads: 2,36
